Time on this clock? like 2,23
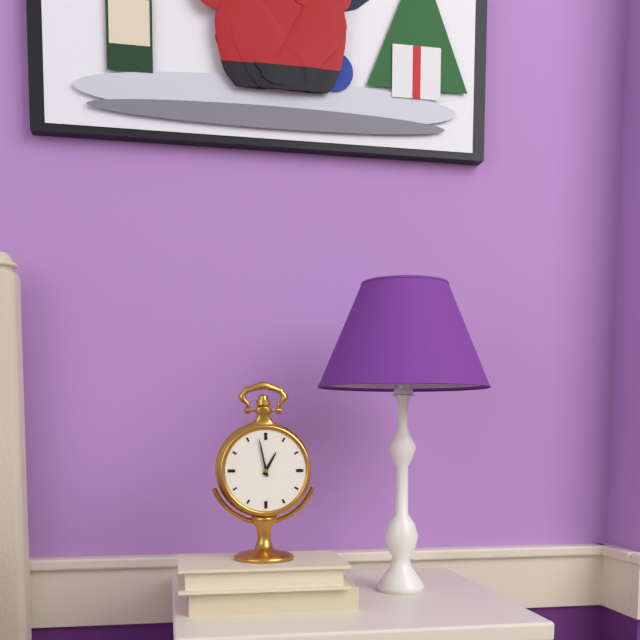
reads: 12,58
